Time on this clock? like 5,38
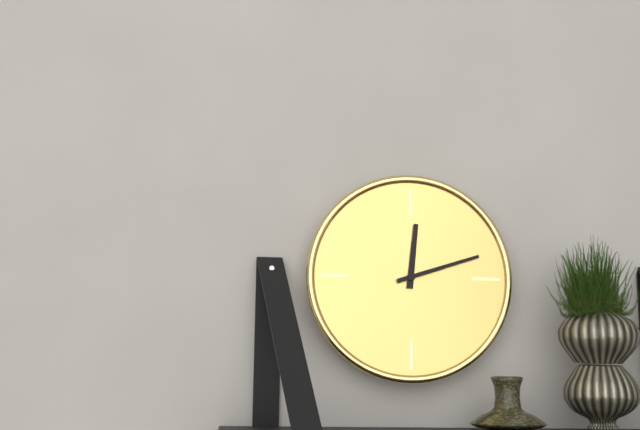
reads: 12,12
